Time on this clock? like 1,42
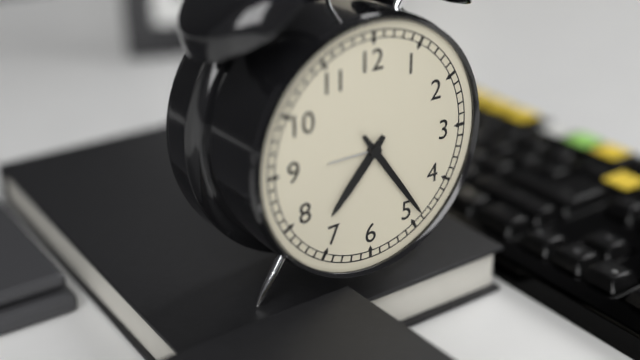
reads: 7,24
